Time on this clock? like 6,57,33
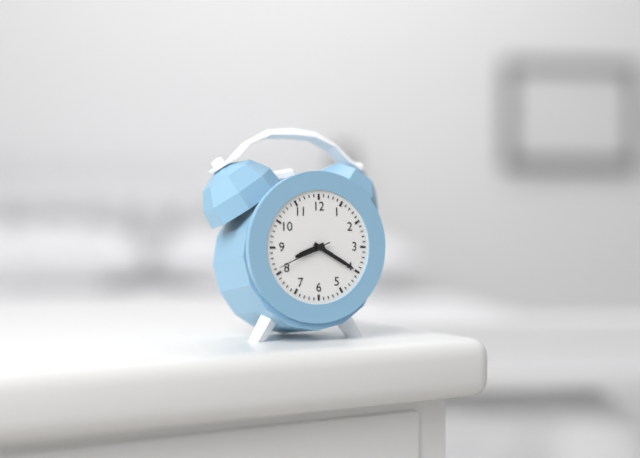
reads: 8,20,41
